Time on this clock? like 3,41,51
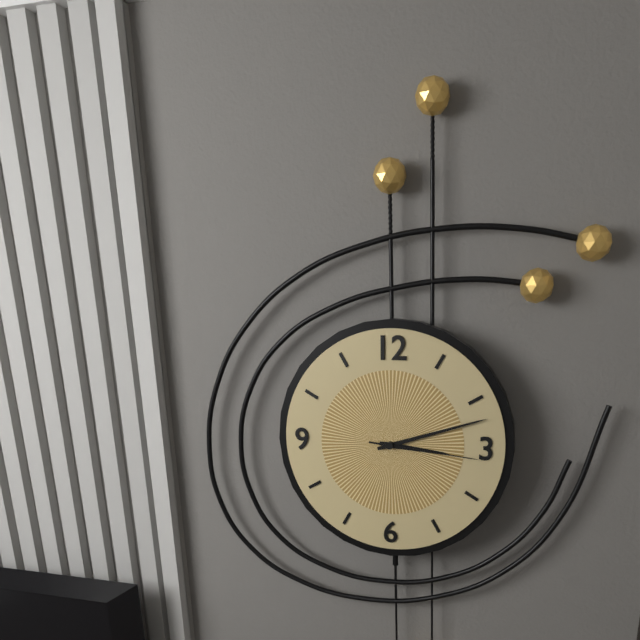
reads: 3,12,16
